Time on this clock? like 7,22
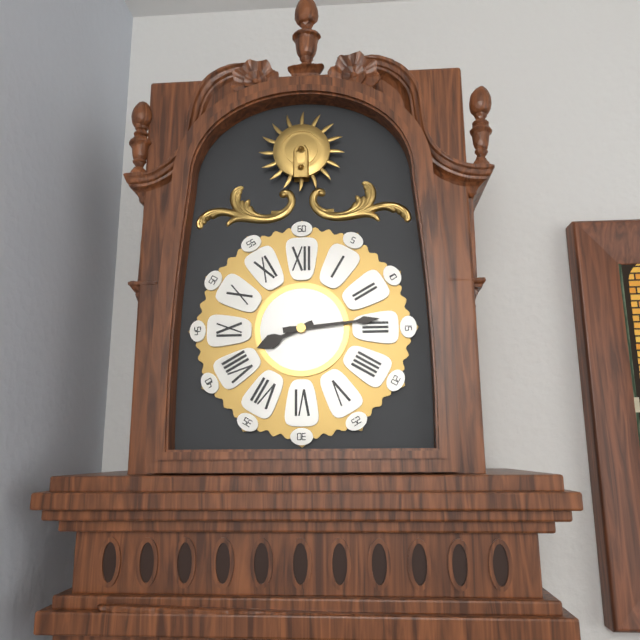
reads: 8,14
